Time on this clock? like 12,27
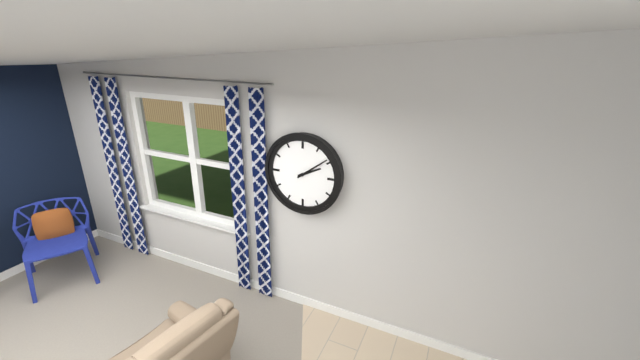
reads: 2,09
